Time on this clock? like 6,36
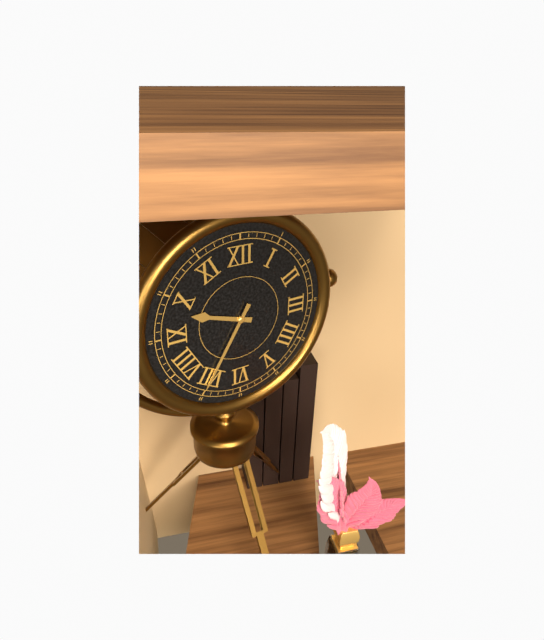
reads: 9,35
